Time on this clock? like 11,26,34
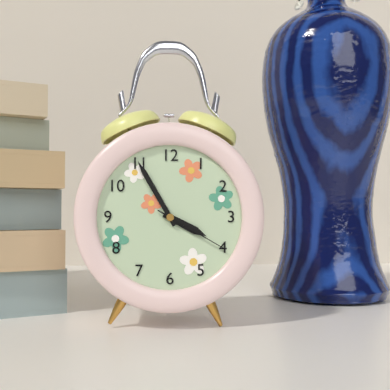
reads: 3,55,20
